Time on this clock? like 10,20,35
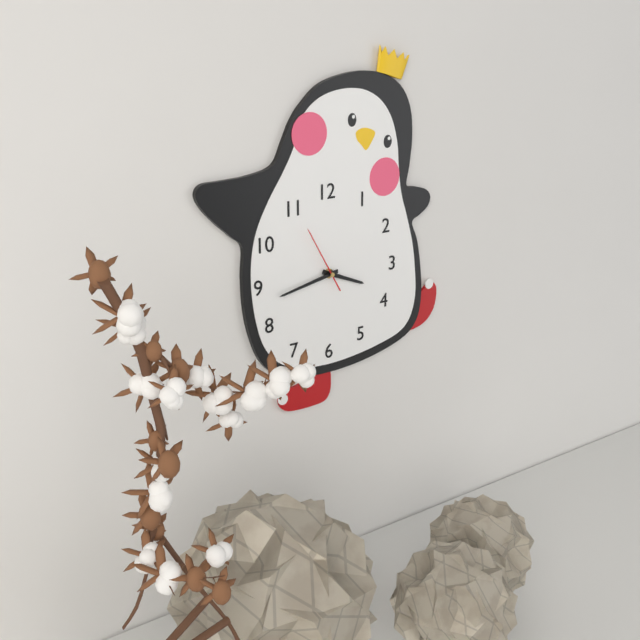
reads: 3,43,55
